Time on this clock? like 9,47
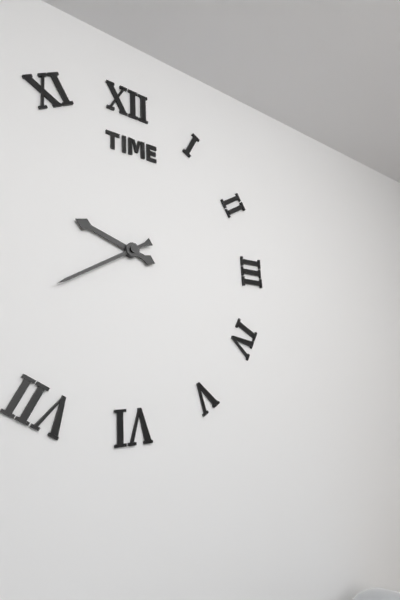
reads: 9,40
